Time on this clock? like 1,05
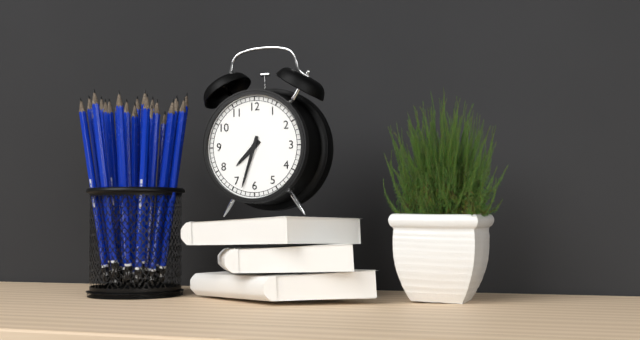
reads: 7,33
